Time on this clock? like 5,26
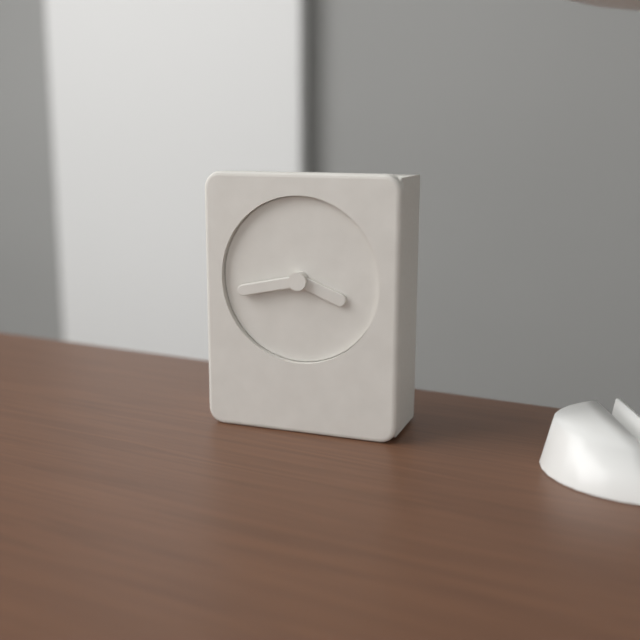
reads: 3,43
